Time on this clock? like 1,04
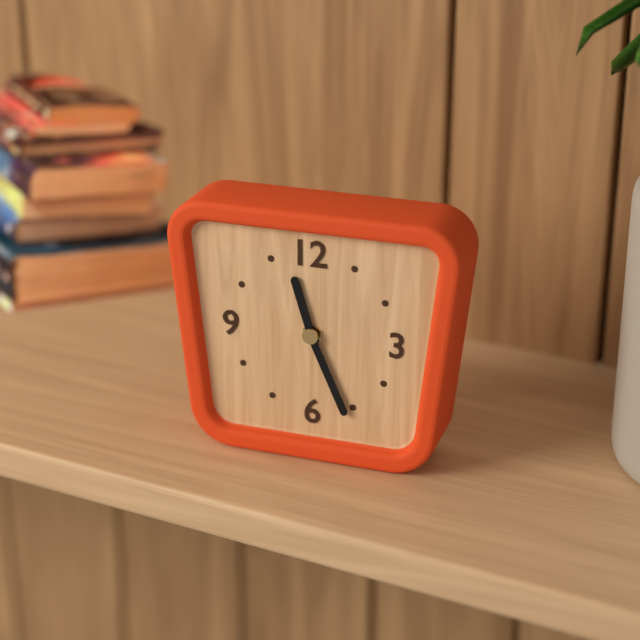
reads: 11,26
